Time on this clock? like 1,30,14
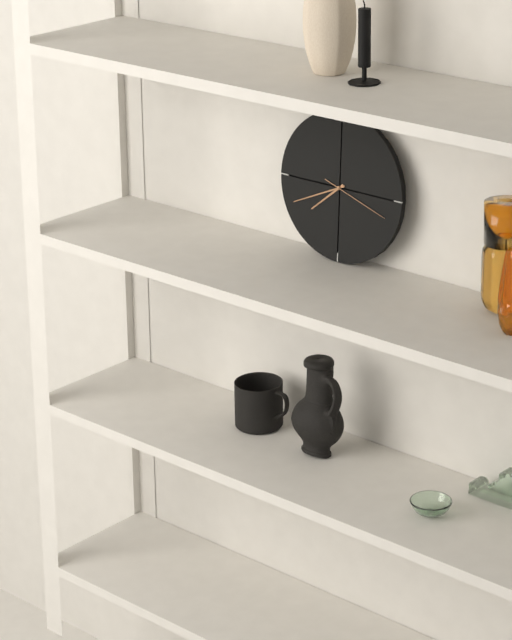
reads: 7,41,18
